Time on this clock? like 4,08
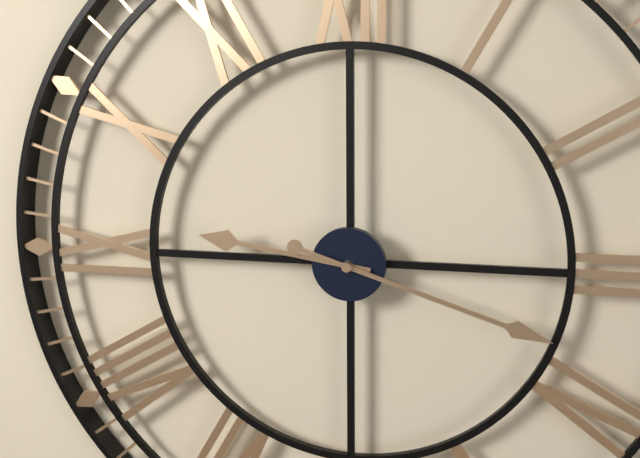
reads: 9,18
